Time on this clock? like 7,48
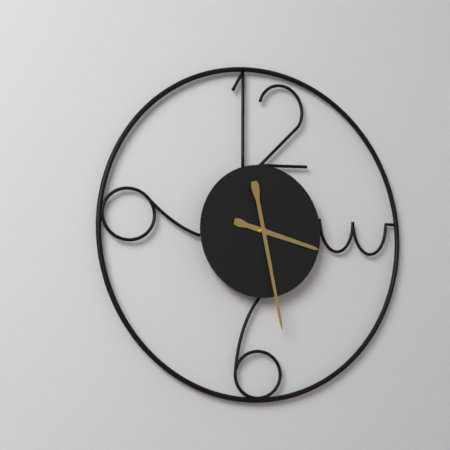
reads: 3,28
